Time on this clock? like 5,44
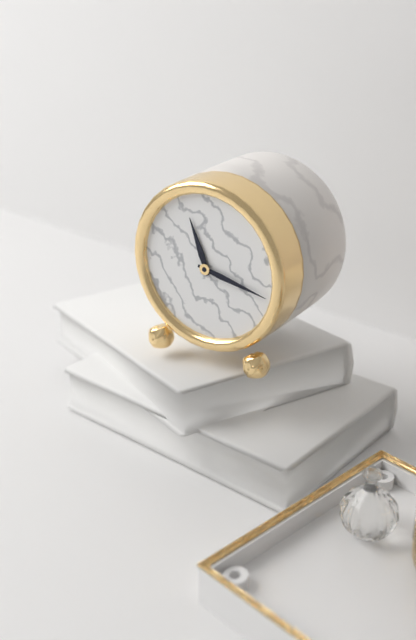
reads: 11,17
